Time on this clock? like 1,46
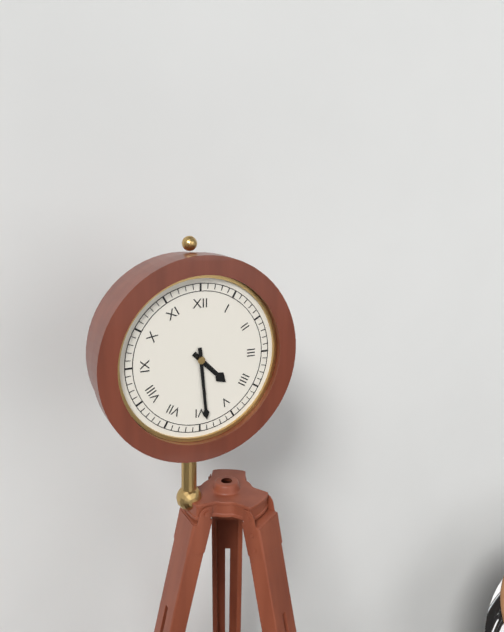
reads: 4,29
